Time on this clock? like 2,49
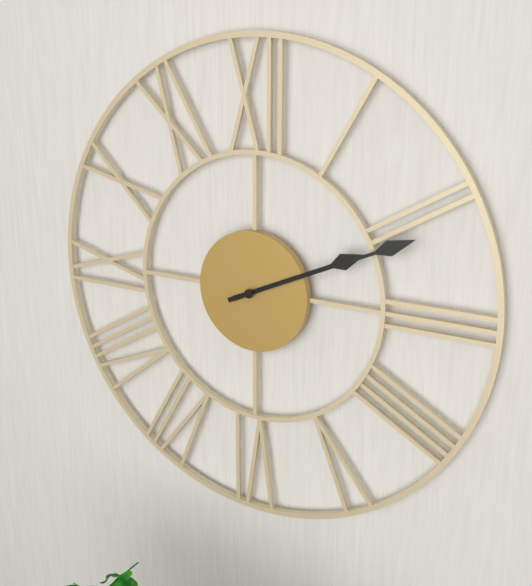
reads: 2,11
